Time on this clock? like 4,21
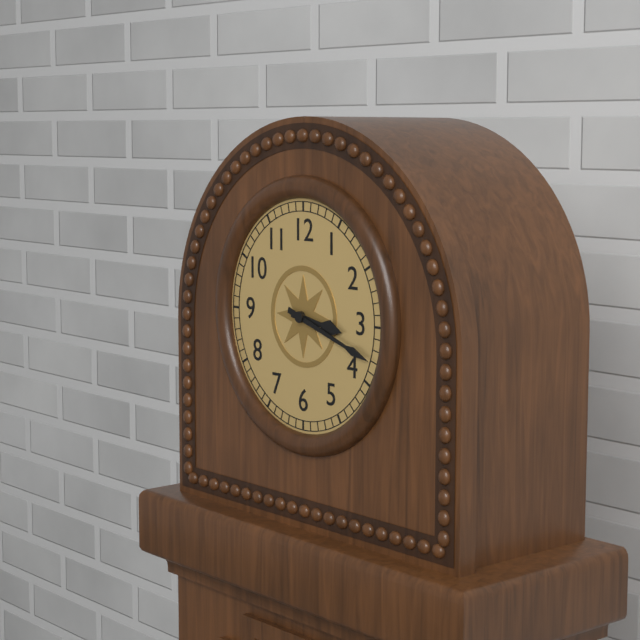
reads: 3,18
